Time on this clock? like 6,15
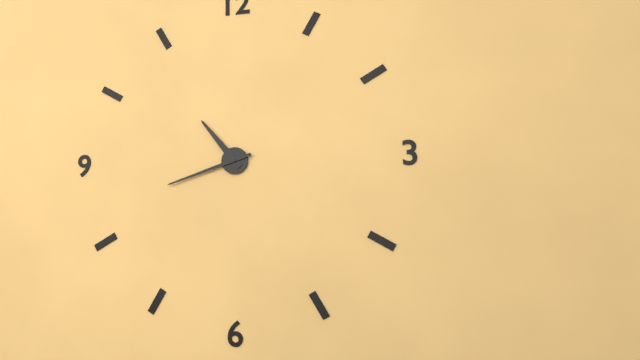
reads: 10,42
